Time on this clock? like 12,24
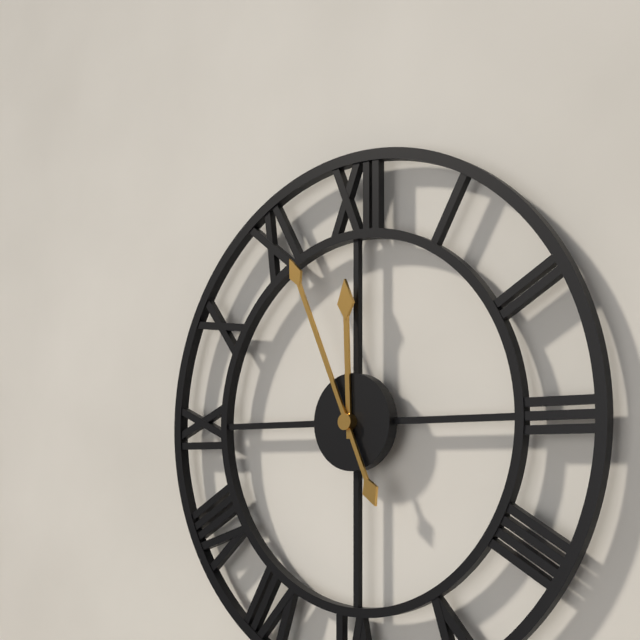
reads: 11,56
